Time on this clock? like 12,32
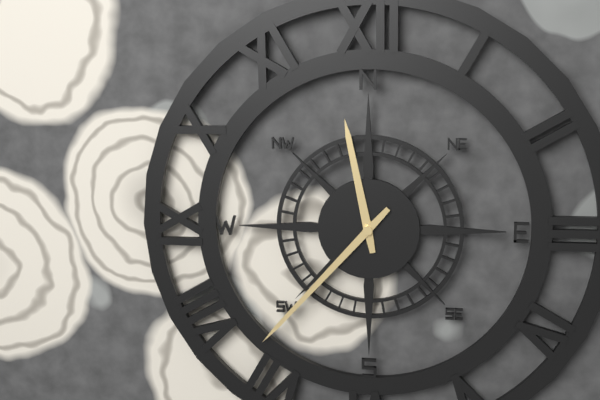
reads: 11,37
